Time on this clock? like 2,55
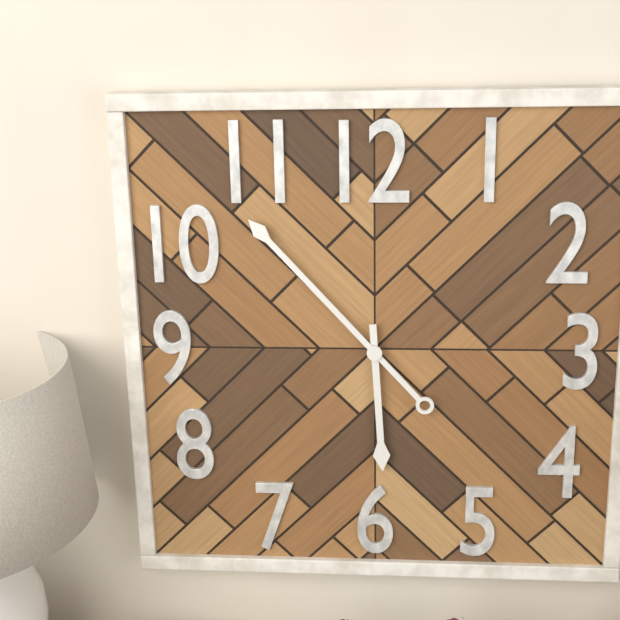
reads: 5,53
